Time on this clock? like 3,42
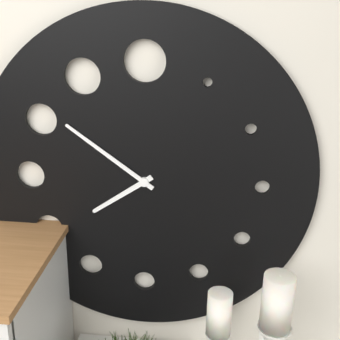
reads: 7,51
